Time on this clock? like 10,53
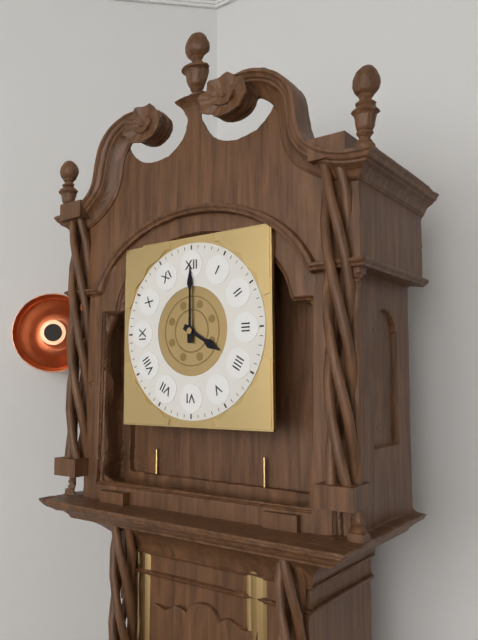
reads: 4,00
